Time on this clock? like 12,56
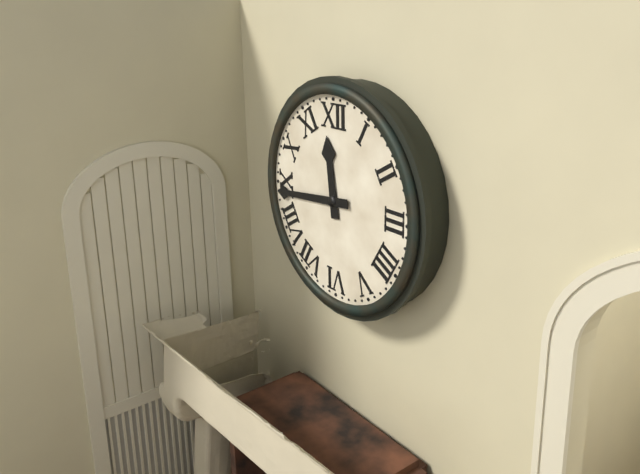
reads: 11,44
